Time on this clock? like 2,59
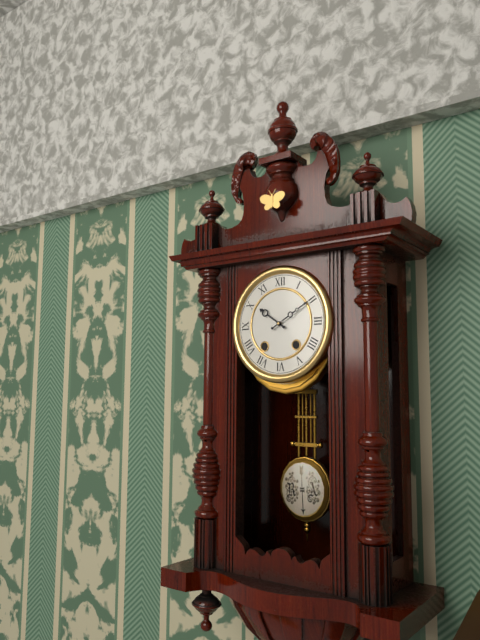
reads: 10,10
